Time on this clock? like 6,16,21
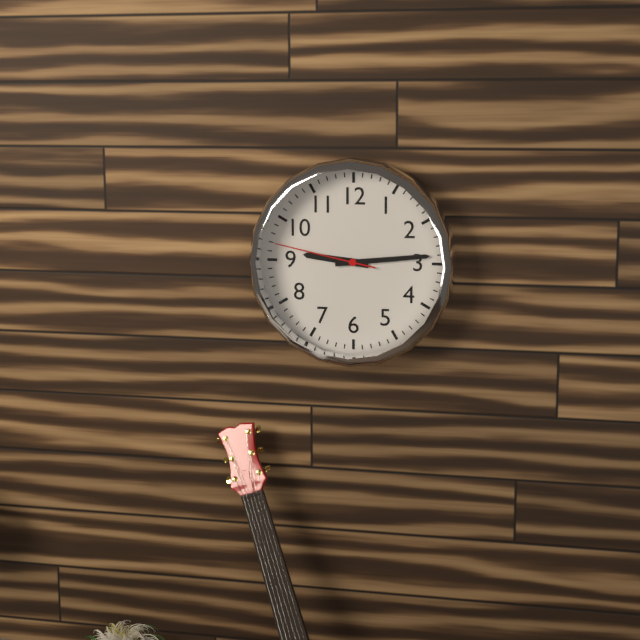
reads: 9,14,47
